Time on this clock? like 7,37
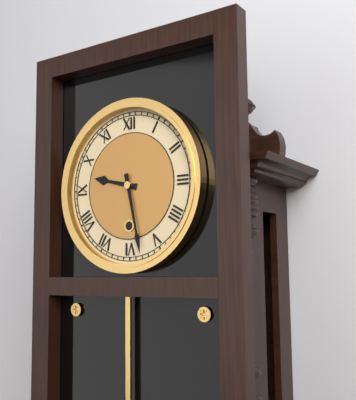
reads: 9,28
